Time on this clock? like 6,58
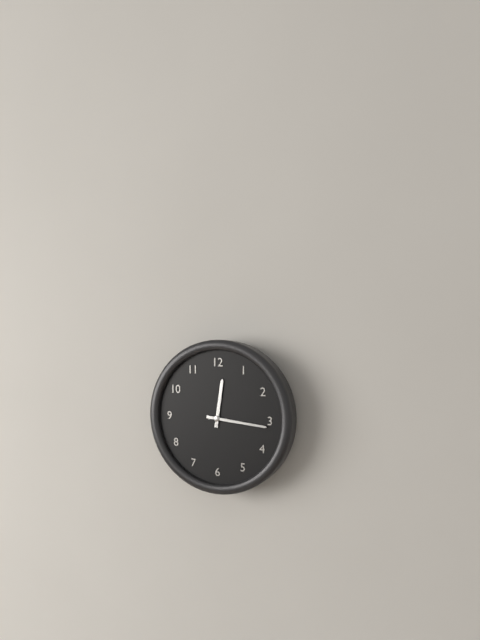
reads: 12,16
